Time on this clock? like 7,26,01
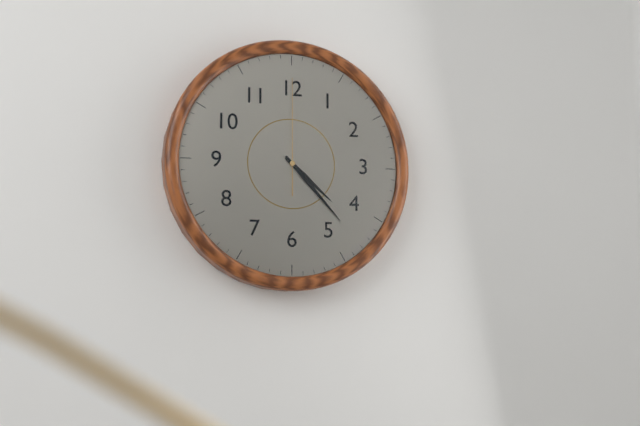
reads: 4,23,00
